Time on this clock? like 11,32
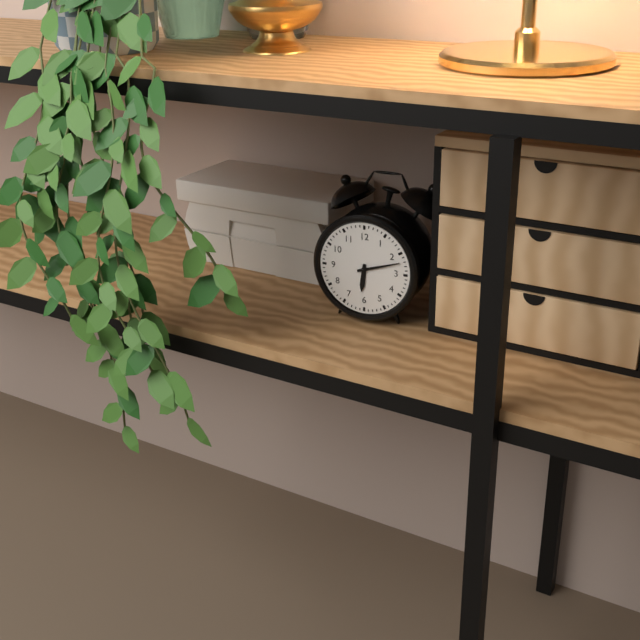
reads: 6,12
